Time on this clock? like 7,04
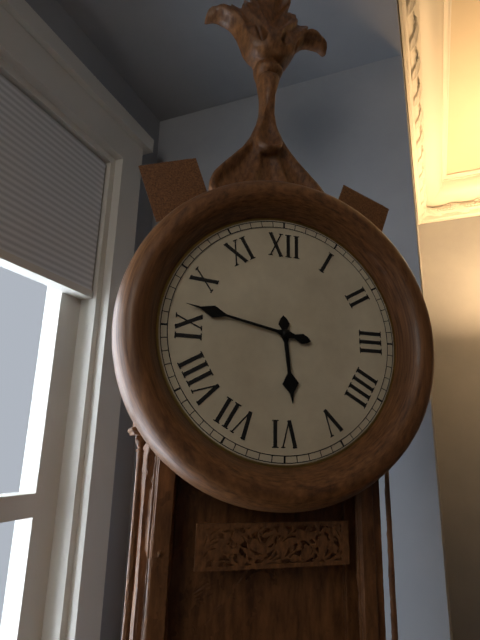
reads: 5,47
